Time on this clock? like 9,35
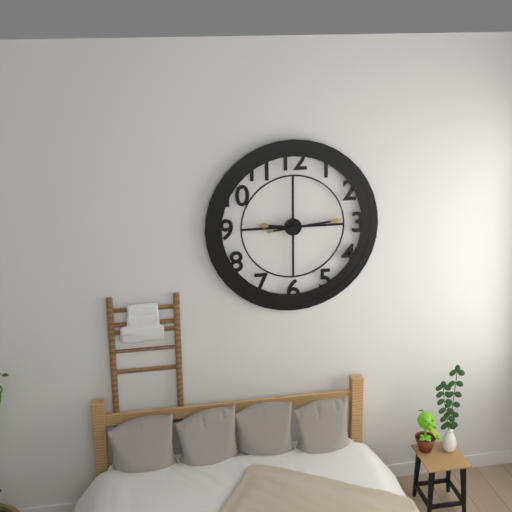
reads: 9,14
